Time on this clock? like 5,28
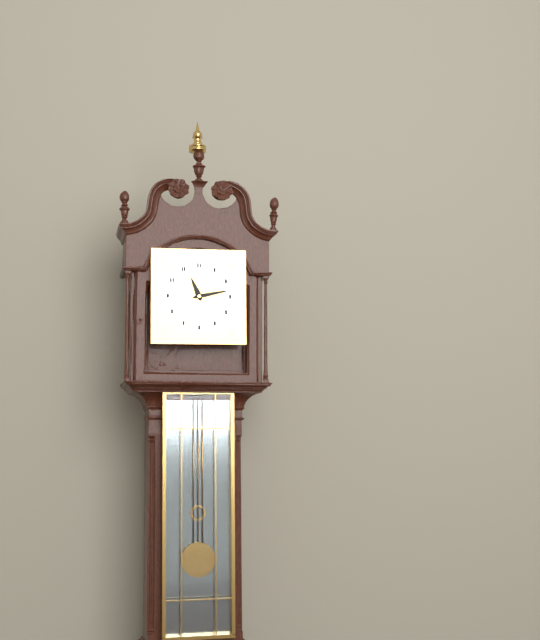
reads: 11,13
